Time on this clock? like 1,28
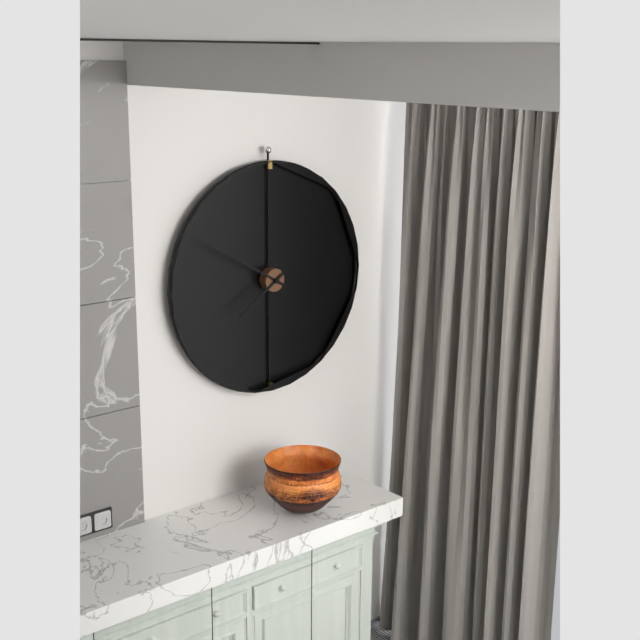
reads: 7,50
